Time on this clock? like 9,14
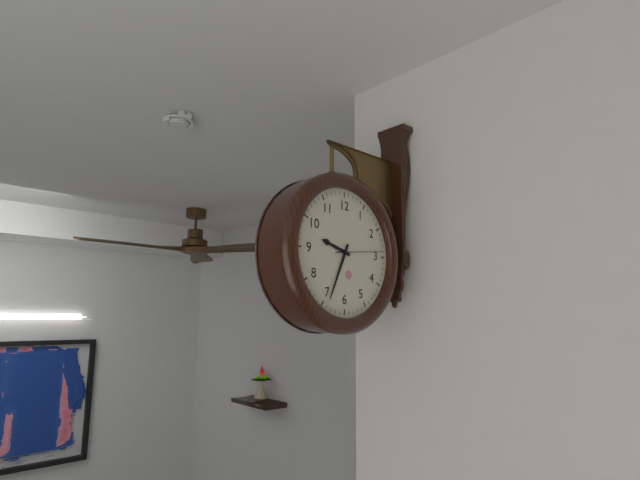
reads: 9,34
